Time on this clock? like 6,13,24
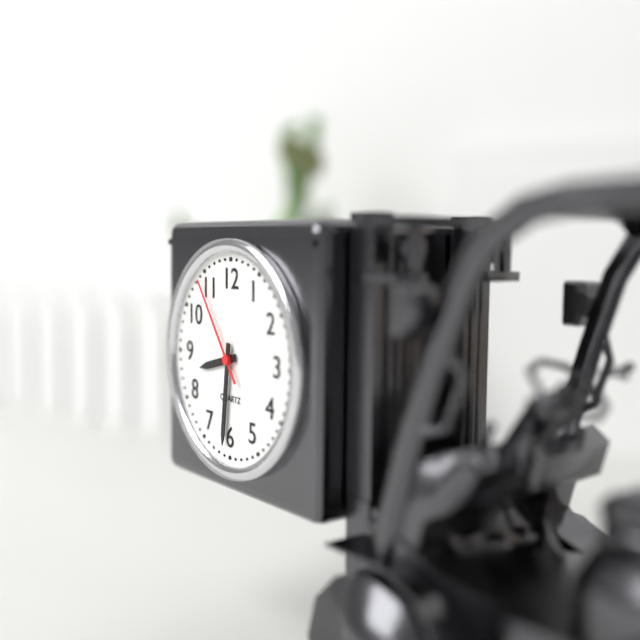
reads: 8,31,54
